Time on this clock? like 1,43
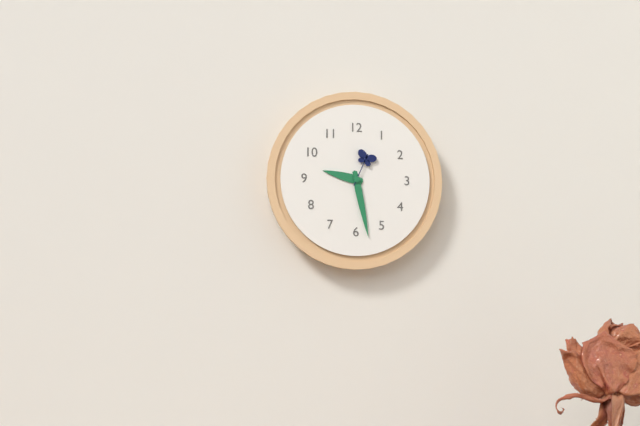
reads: 9,28
